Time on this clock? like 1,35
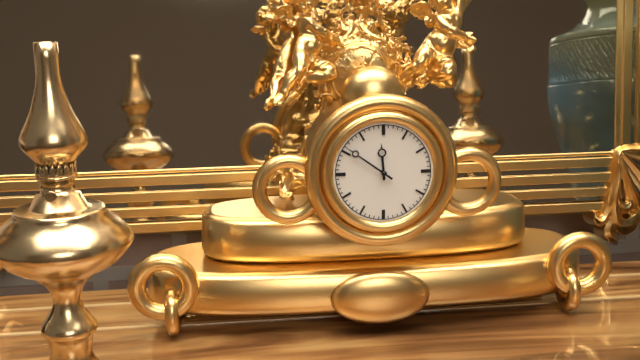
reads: 11,51
